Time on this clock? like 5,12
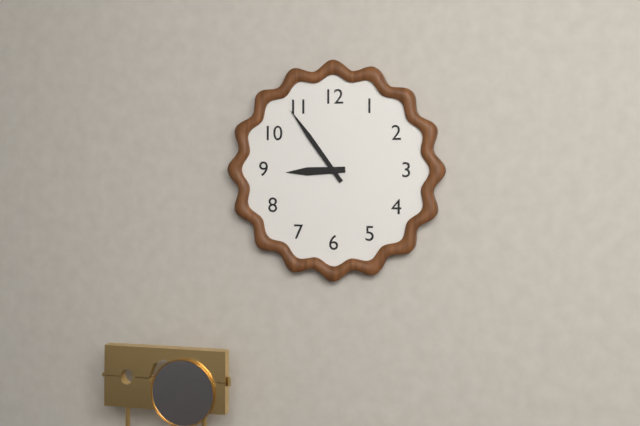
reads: 8,54
